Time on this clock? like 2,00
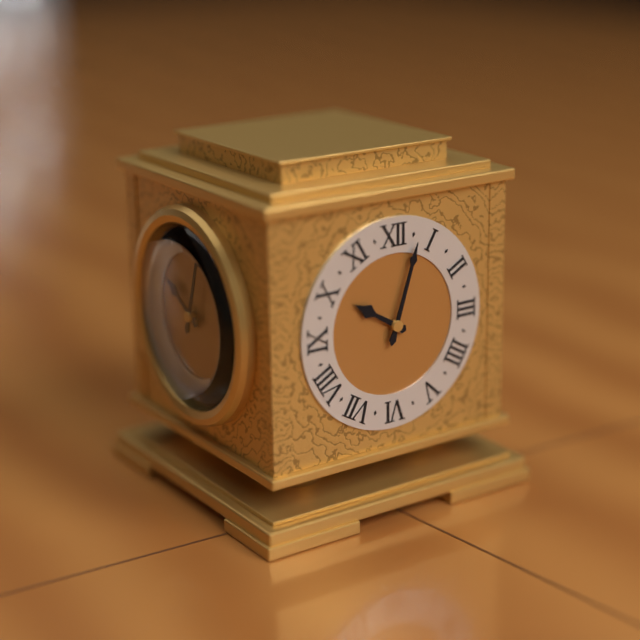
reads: 10,03
